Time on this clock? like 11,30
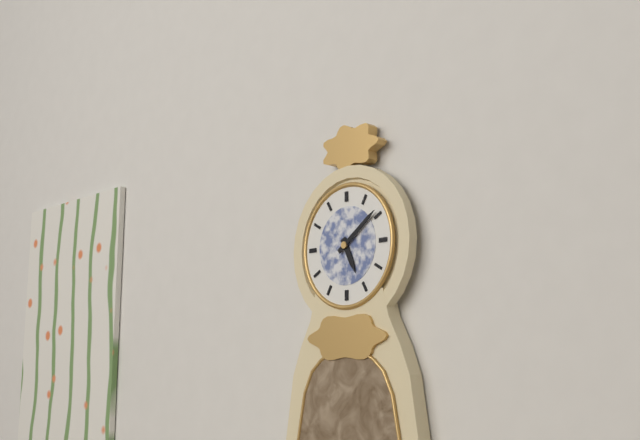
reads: 5,09
